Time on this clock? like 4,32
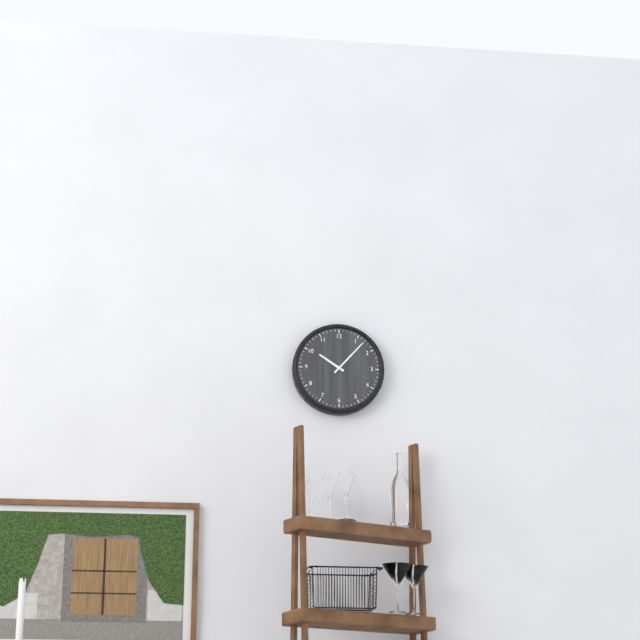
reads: 10,07
